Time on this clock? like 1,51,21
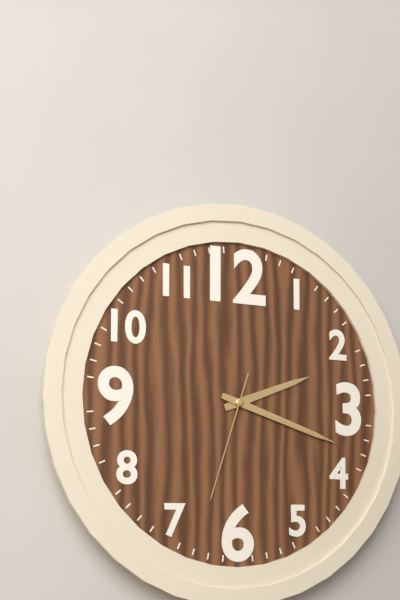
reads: 2,18,33
